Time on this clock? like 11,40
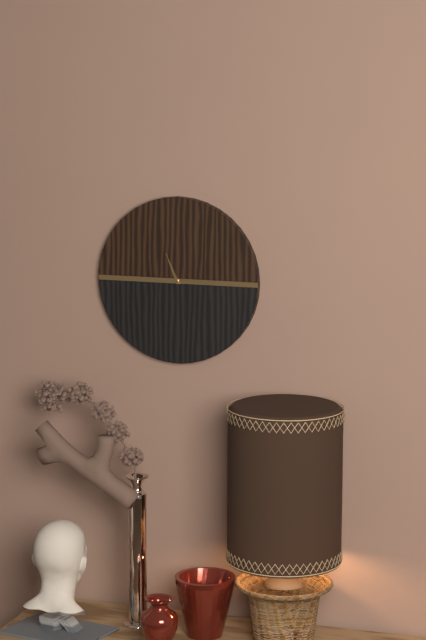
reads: 11,15
